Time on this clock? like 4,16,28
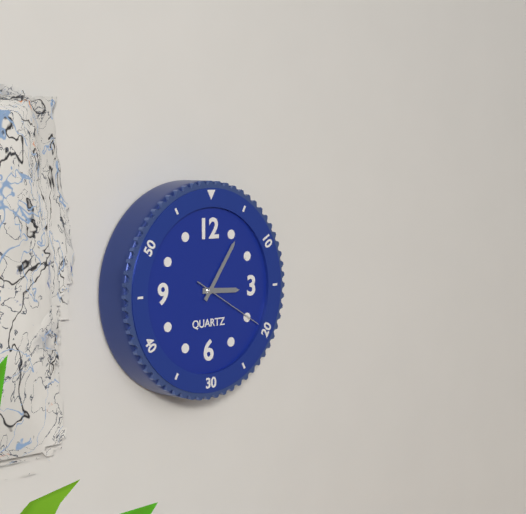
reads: 3,06,20
